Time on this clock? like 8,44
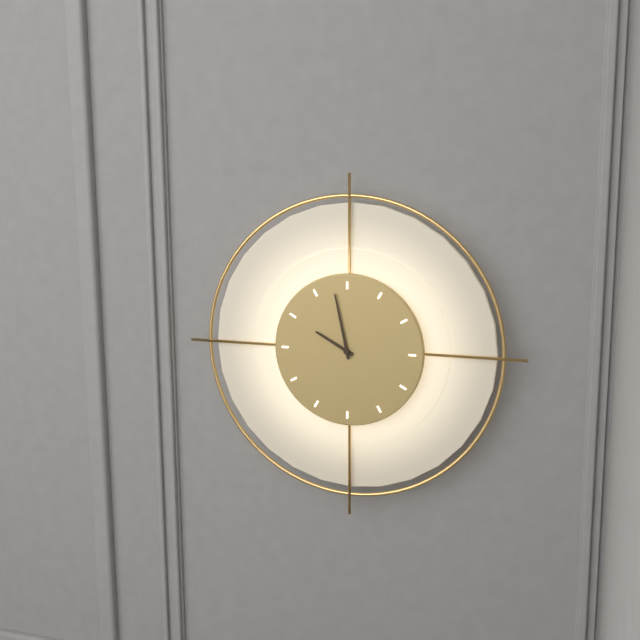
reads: 9,58
